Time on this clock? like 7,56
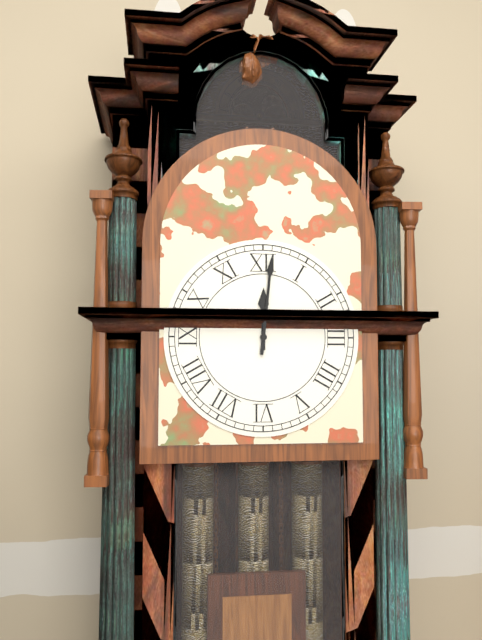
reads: 12,01
